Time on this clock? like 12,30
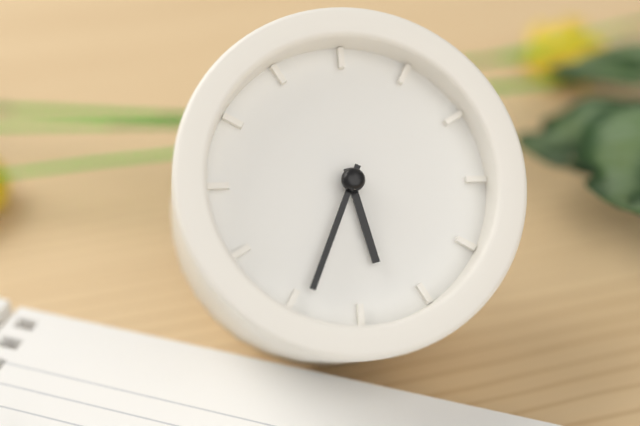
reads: 5,34
